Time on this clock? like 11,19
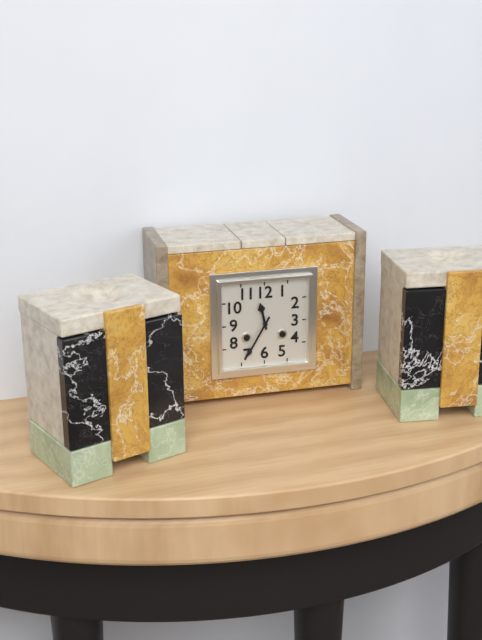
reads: 11,35
